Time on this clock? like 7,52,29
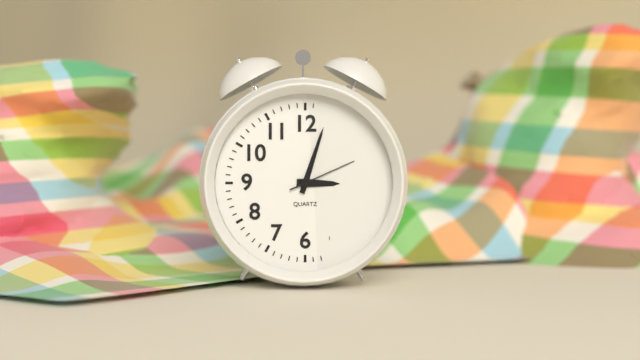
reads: 3,03,11
